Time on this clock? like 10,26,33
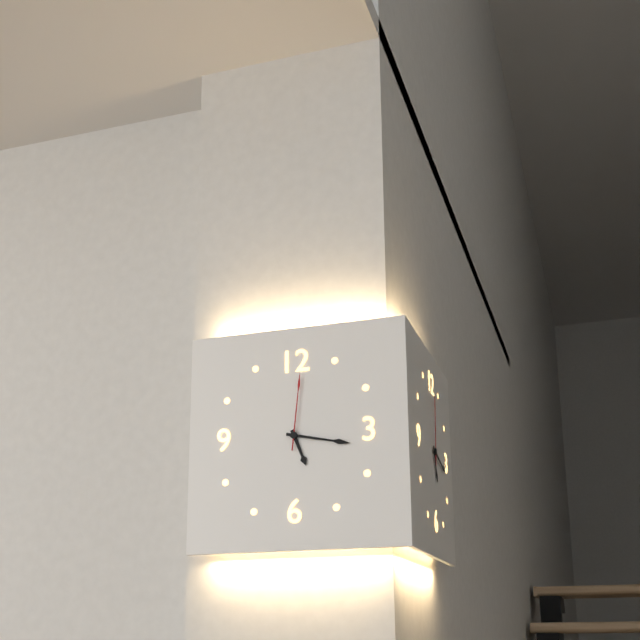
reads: 5,17,01
